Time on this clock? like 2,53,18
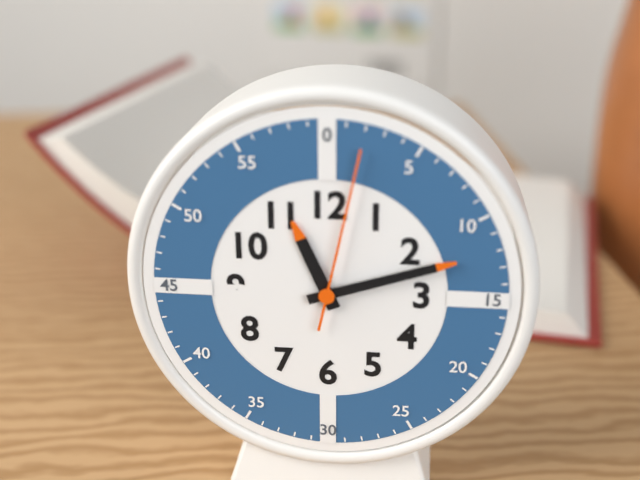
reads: 11,12,02
